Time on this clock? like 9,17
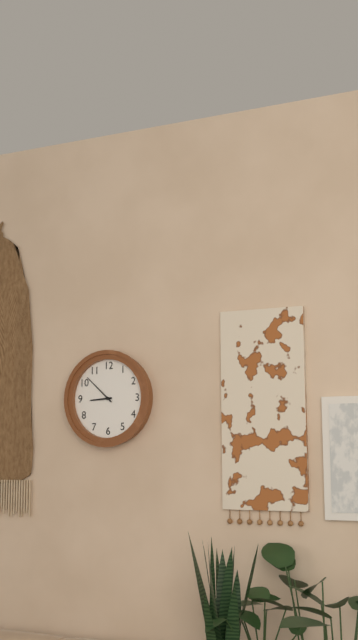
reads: 8,52
